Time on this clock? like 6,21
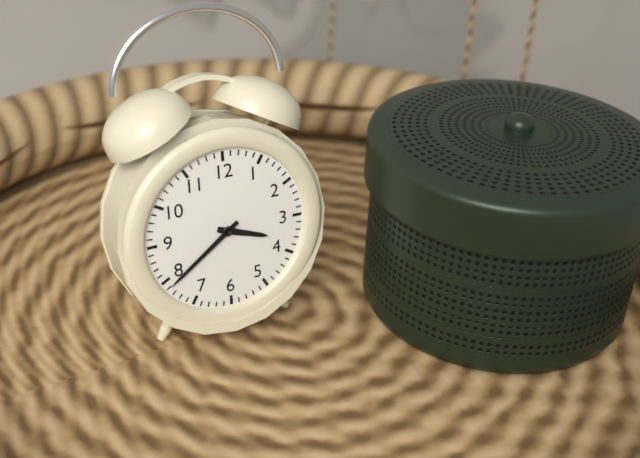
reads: 3,39
